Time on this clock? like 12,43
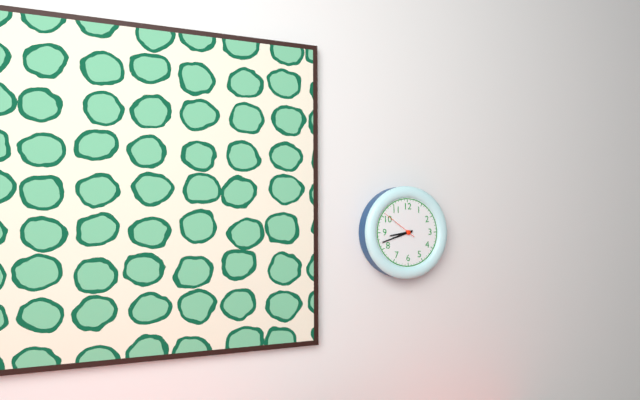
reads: 8,42
